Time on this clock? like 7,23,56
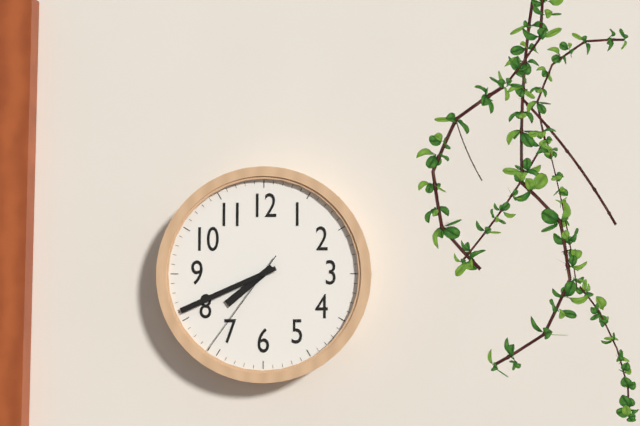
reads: 7,41,36
